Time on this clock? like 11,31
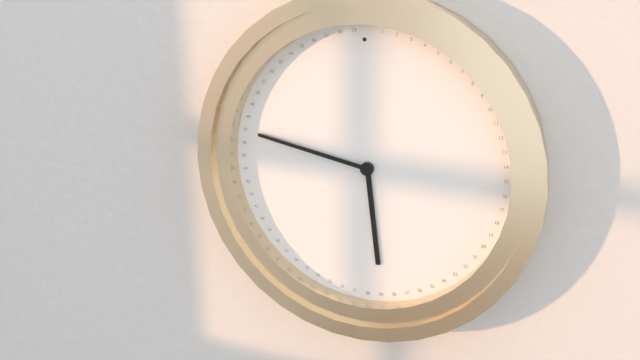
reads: 5,47
